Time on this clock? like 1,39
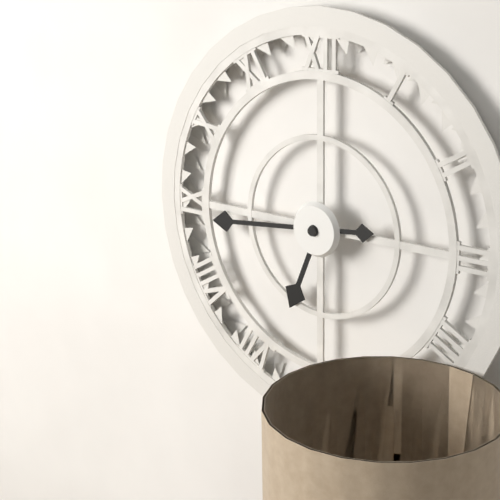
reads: 6,44
